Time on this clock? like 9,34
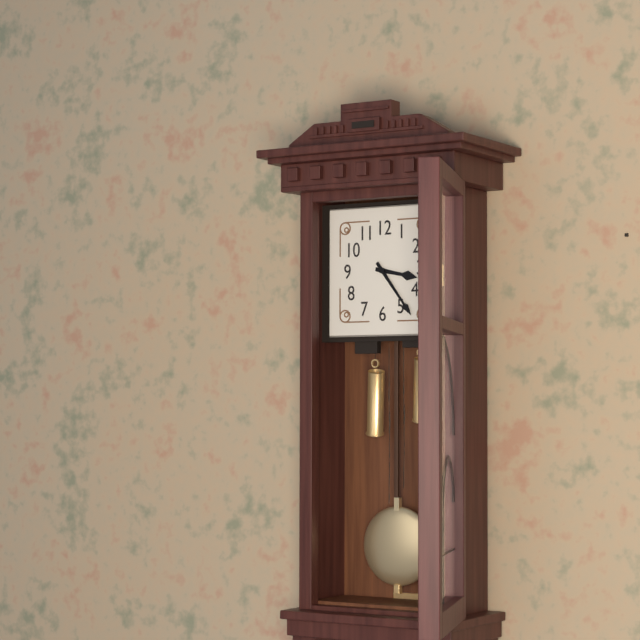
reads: 3,24
